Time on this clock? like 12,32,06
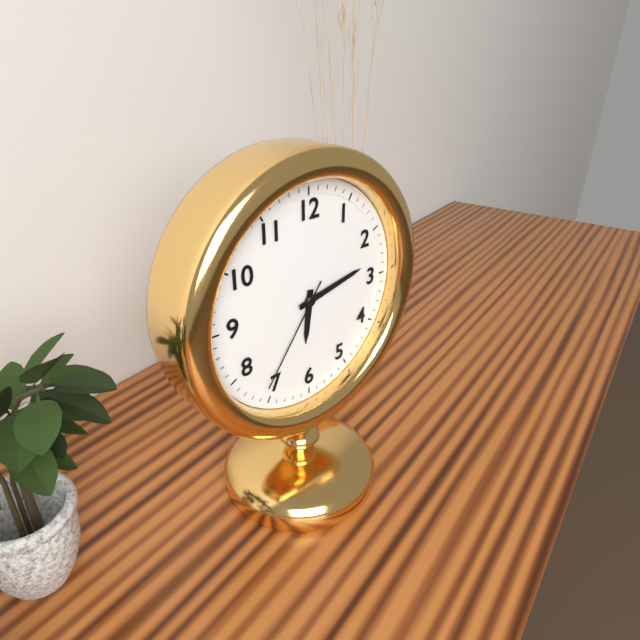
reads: 6,13,36
